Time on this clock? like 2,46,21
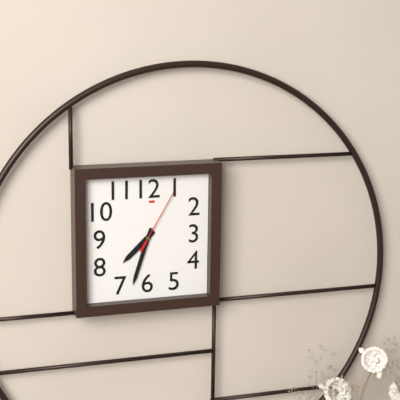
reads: 7,33,05
